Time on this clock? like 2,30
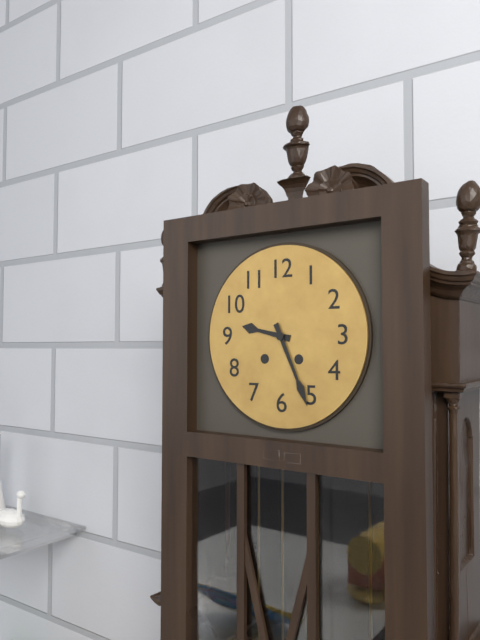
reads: 9,26
